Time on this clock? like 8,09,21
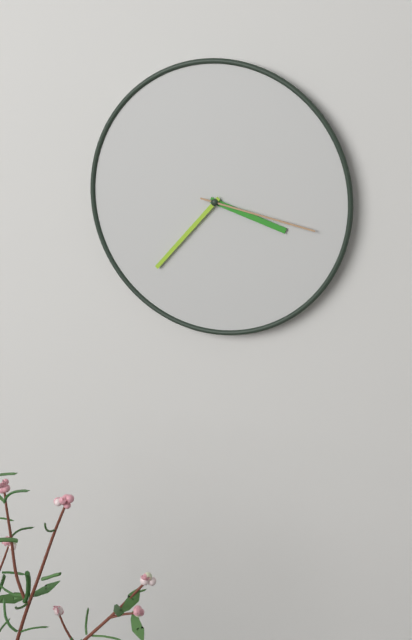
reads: 3,37,17
